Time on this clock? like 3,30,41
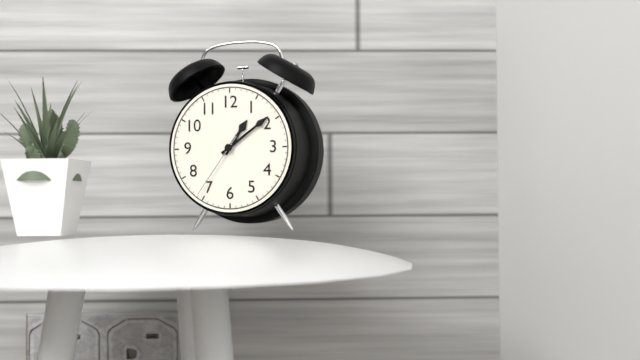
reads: 1,09,36
